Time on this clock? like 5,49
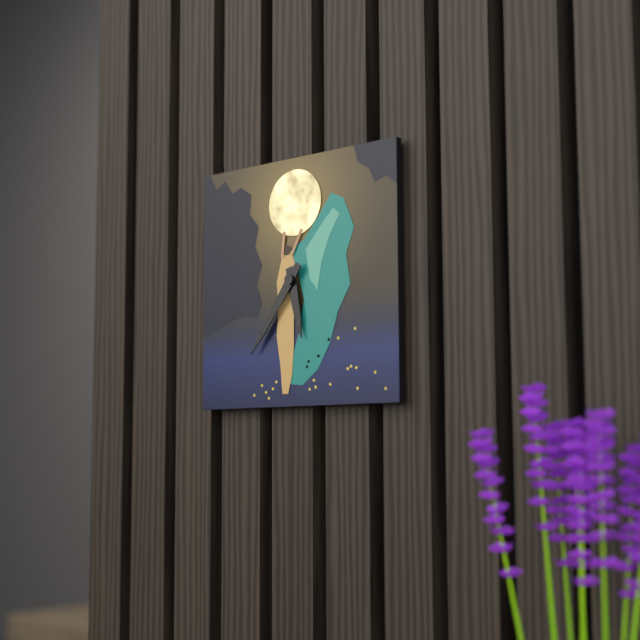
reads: 5,36
